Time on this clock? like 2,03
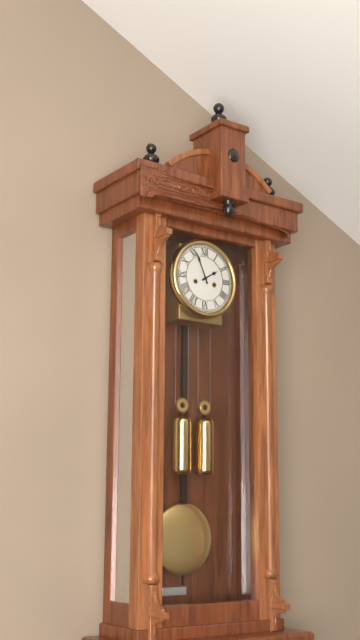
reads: 1,56
